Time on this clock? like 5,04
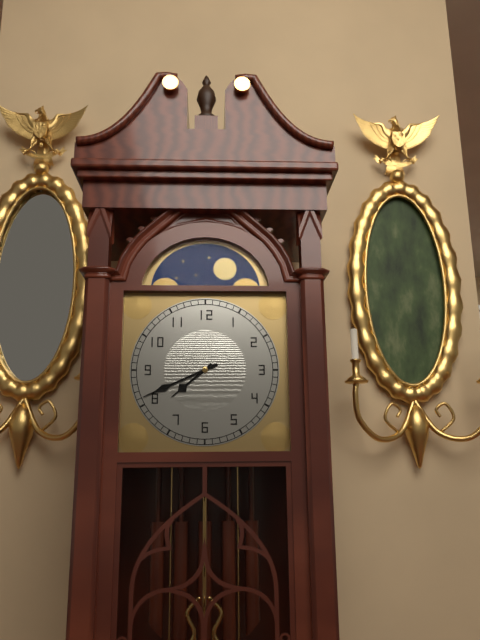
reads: 7,41
